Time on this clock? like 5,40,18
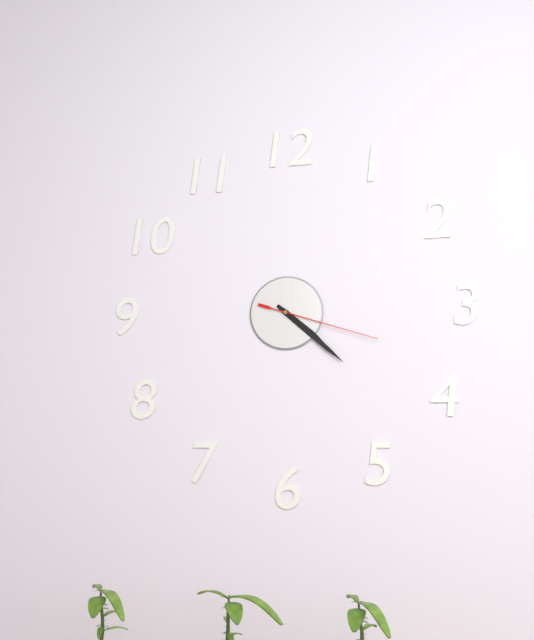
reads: 4,22,18
